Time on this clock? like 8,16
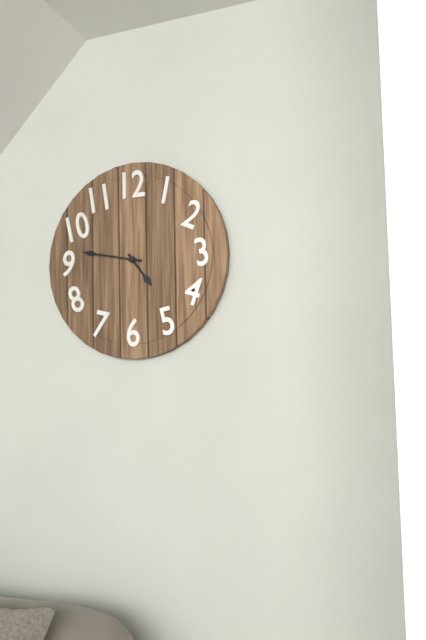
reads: 4,47
